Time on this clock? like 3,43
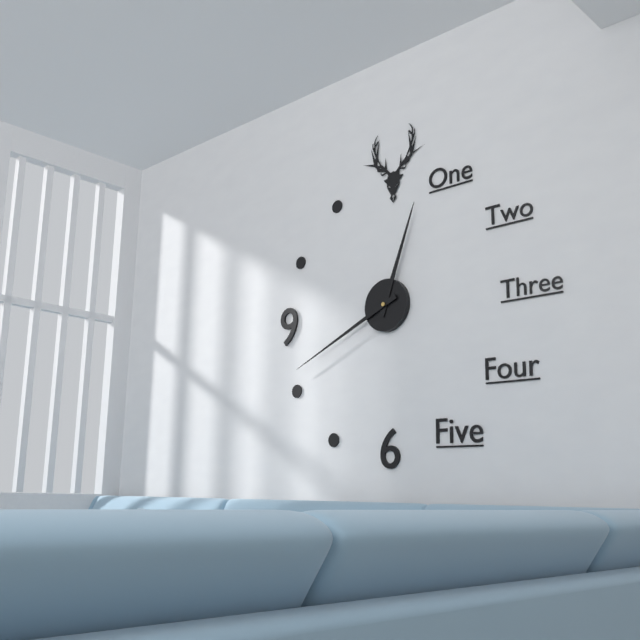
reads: 12,41
